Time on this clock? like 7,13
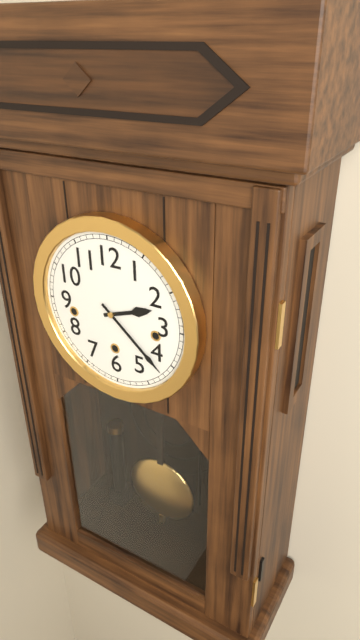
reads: 2,22
